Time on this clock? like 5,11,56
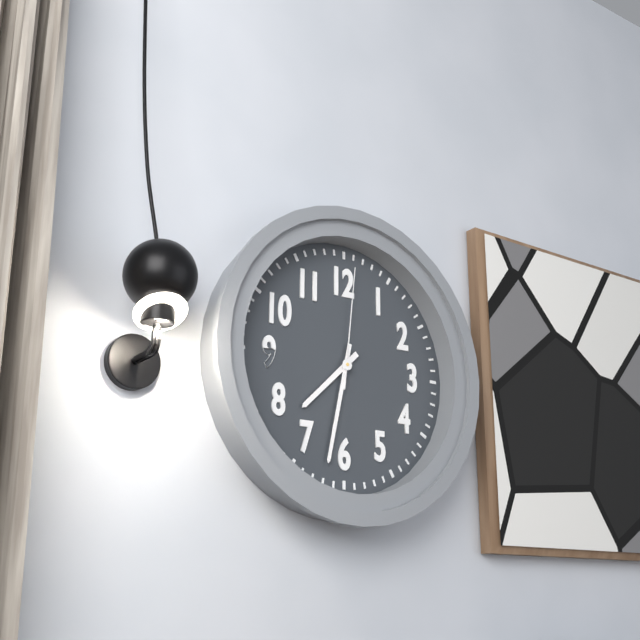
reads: 7,32,01
